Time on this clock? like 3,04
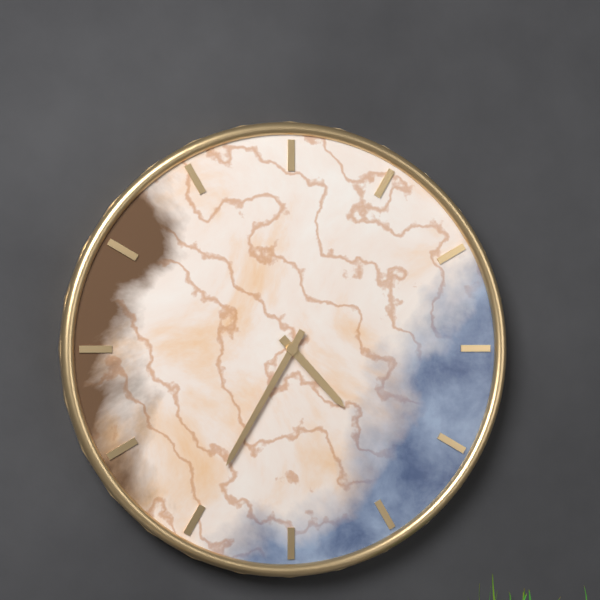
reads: 4,35
